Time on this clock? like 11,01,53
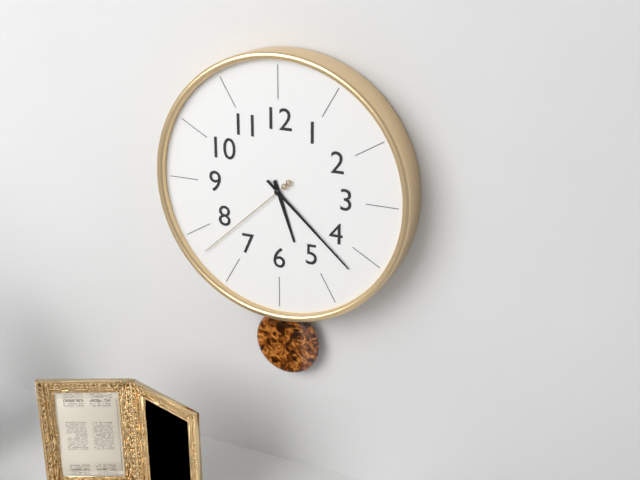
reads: 5,22,38
